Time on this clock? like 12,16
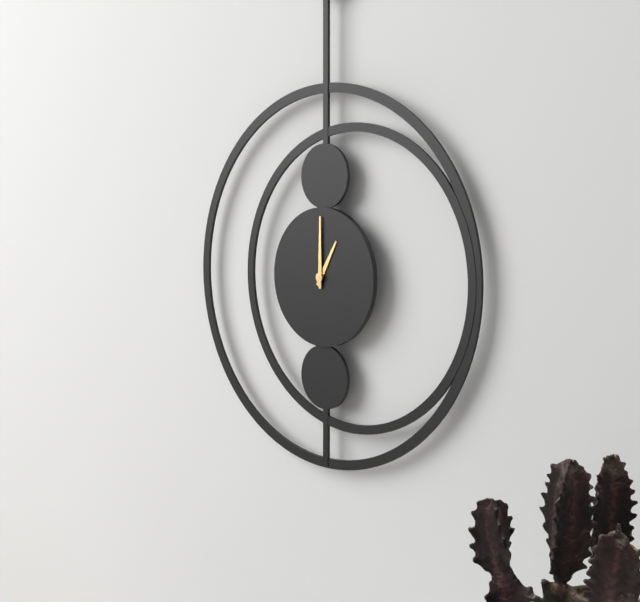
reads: 1,00
